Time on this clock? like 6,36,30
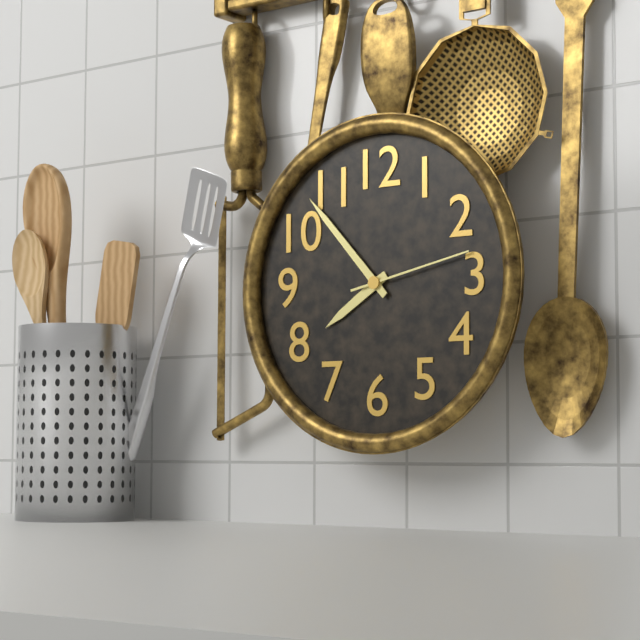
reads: 7,53,13
